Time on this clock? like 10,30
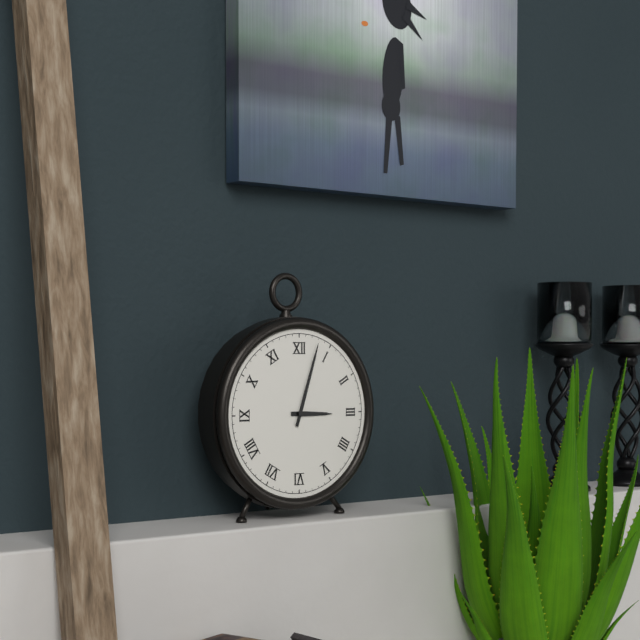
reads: 3,03
